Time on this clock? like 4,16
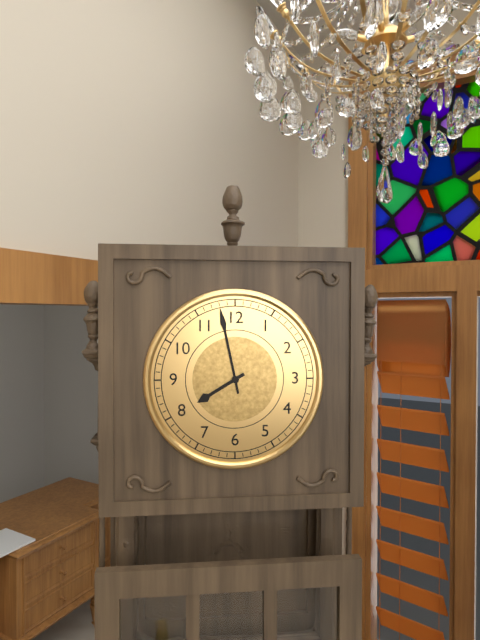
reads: 7,58
